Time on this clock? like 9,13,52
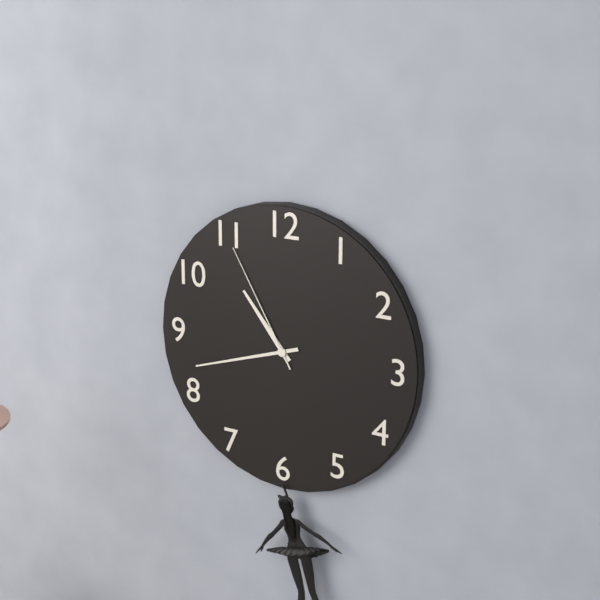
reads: 10,42,55
